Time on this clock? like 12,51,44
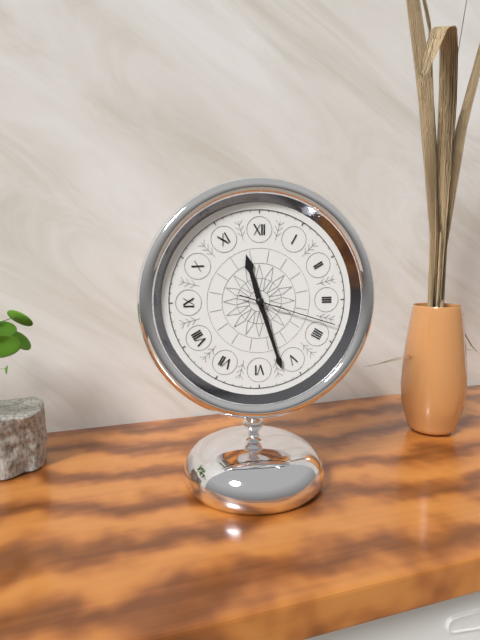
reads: 11,27,18
